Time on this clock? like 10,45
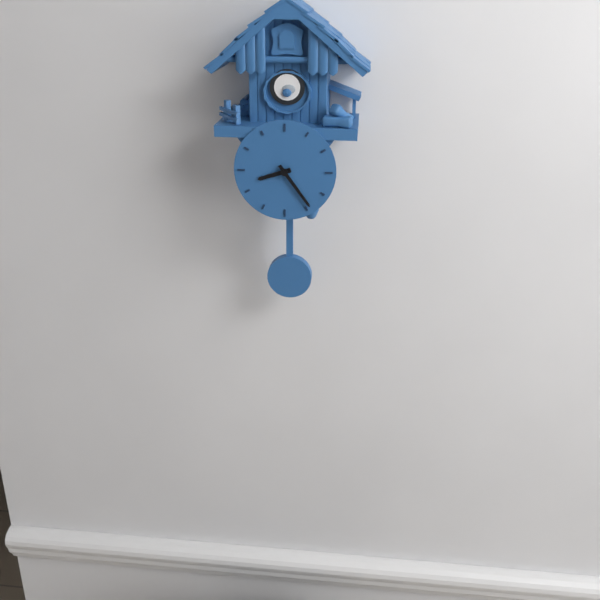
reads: 8,24
